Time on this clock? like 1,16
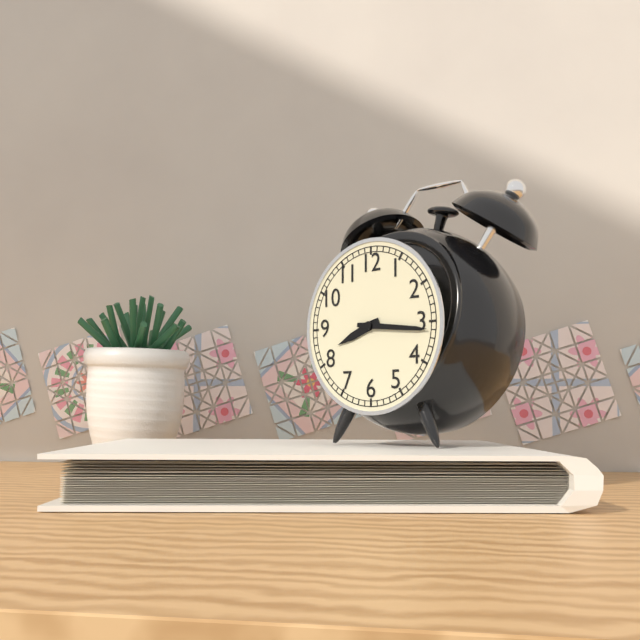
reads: 8,16
